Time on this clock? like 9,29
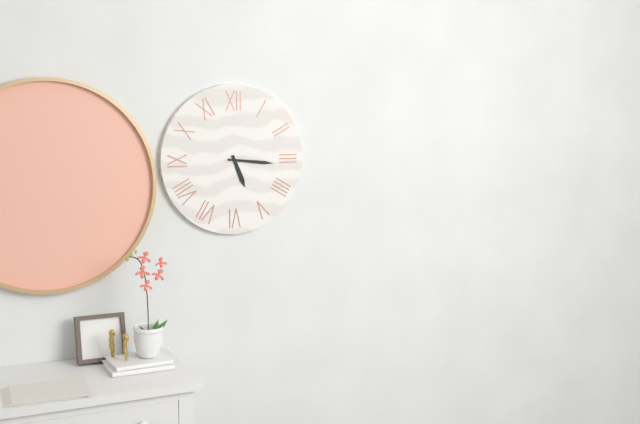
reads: 5,16
